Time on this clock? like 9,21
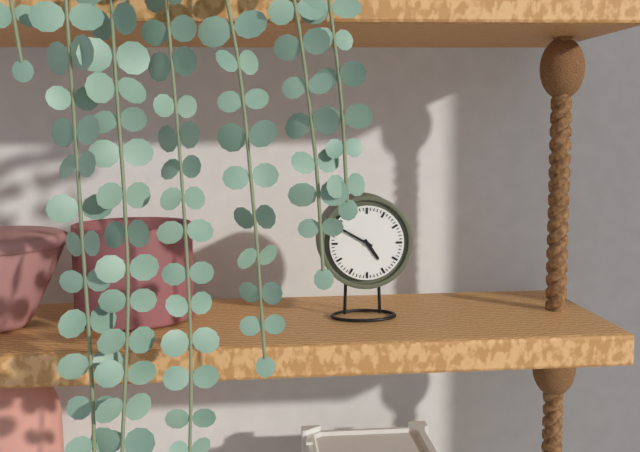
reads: 4,50
